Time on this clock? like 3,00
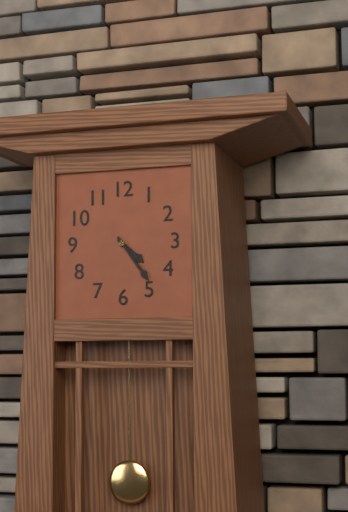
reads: 4,24
